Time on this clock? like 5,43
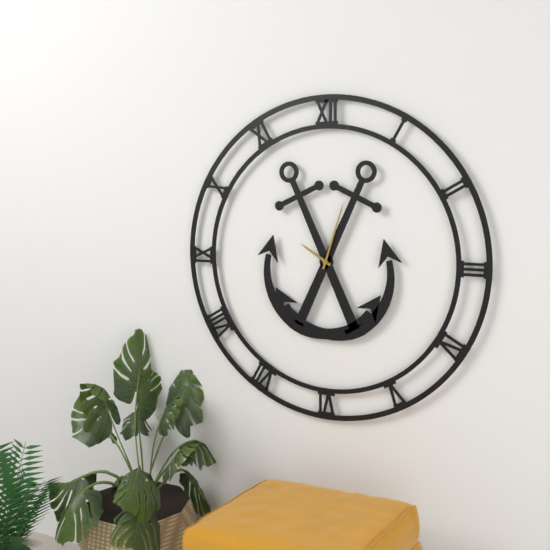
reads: 10,03
